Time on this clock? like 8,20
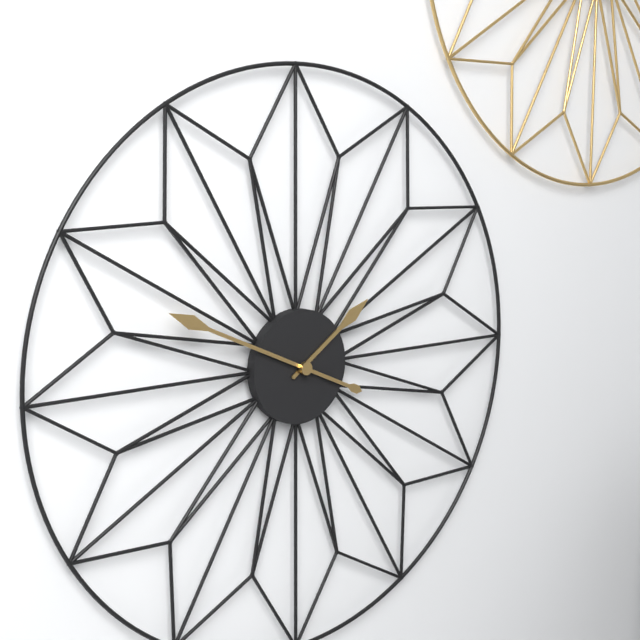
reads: 1,49
